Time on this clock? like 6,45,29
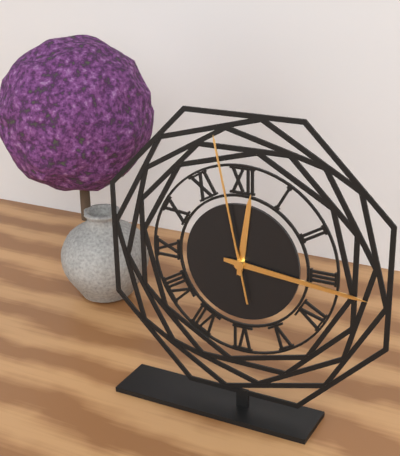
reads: 12,16,58
